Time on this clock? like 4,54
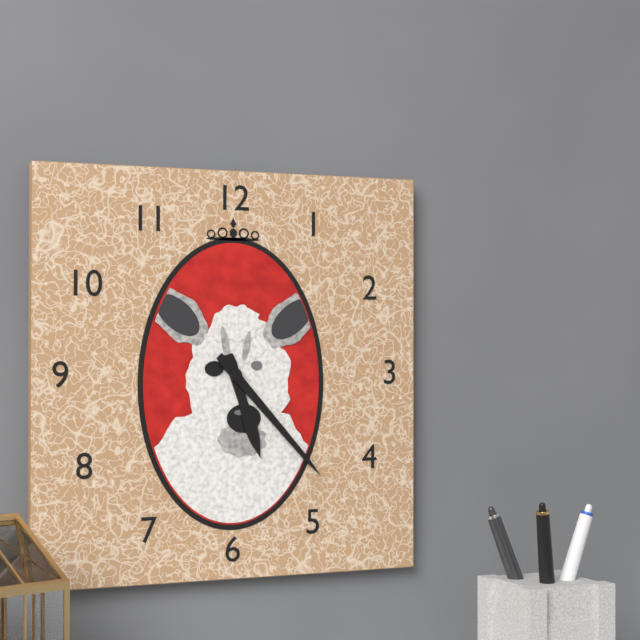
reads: 5,23
